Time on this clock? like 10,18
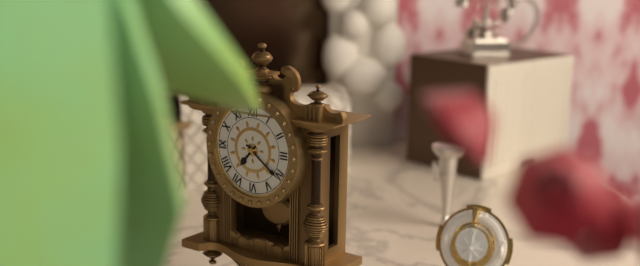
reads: 7,21
